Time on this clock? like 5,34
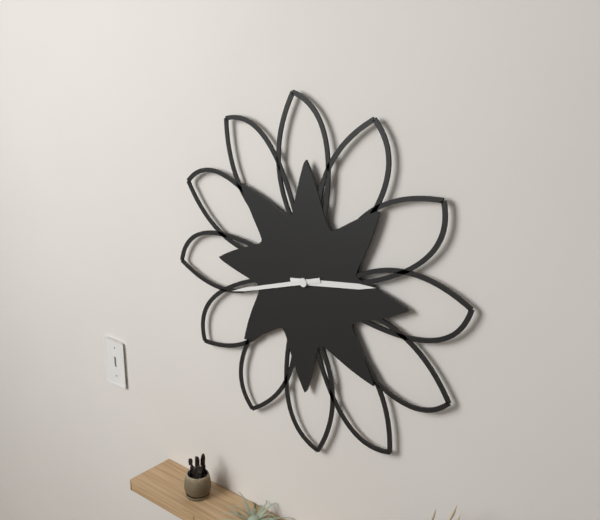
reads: 2,42
